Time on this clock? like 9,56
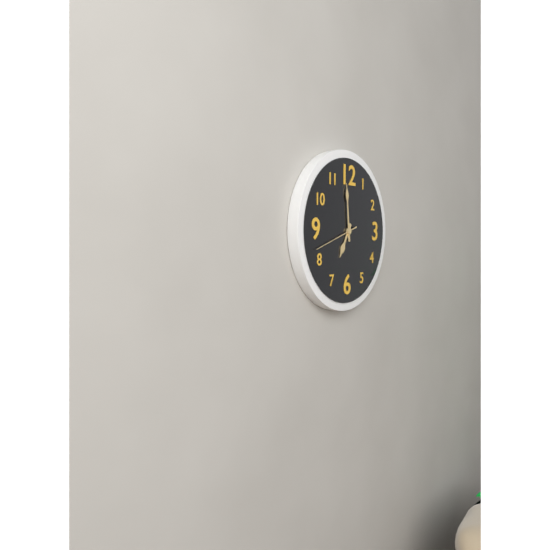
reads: 6,59
